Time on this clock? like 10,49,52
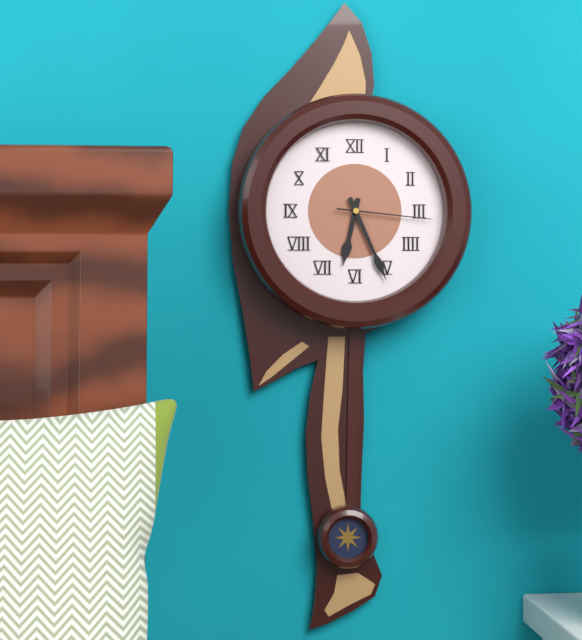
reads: 6,26,16
